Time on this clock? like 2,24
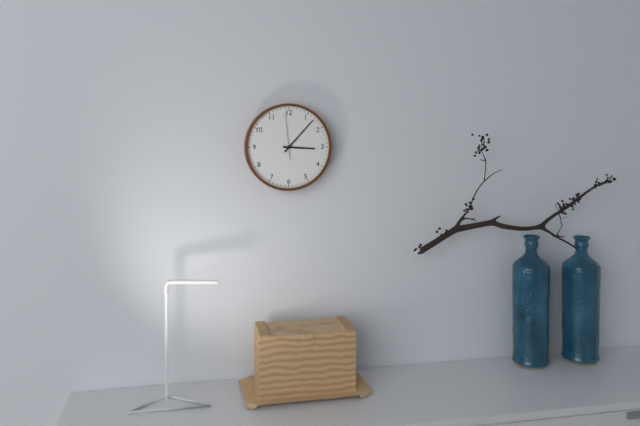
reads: 3,07
